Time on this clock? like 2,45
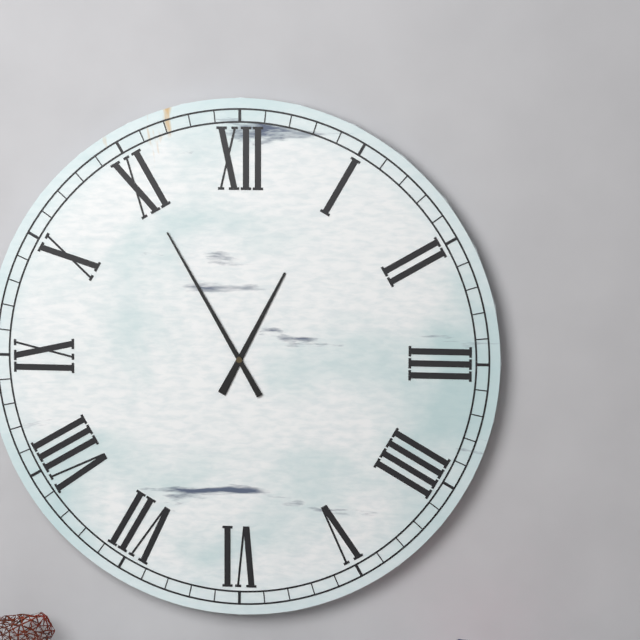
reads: 12,55
